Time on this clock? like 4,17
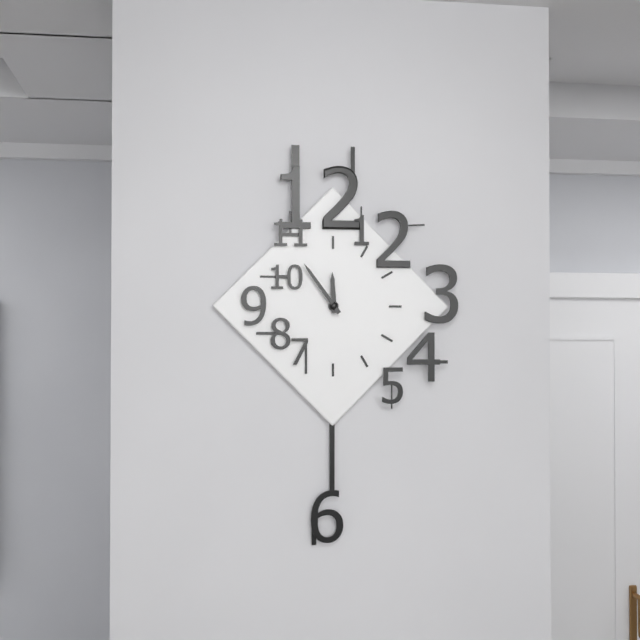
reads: 11,54
